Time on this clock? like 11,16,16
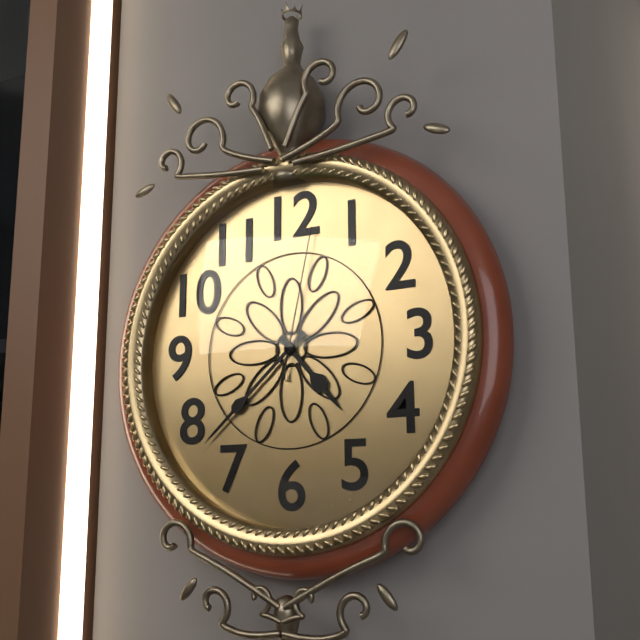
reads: 4,38,02
